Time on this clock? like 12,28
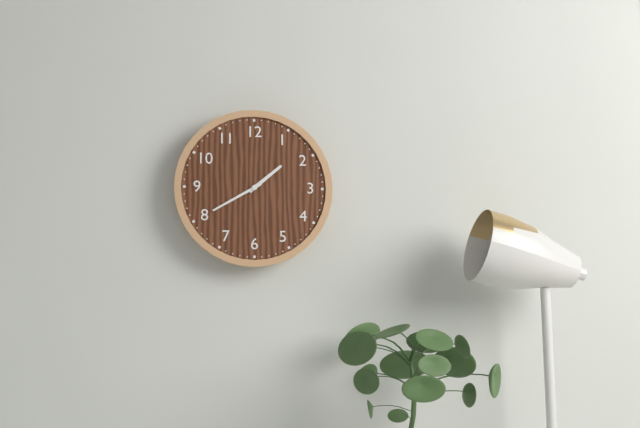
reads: 1,40
